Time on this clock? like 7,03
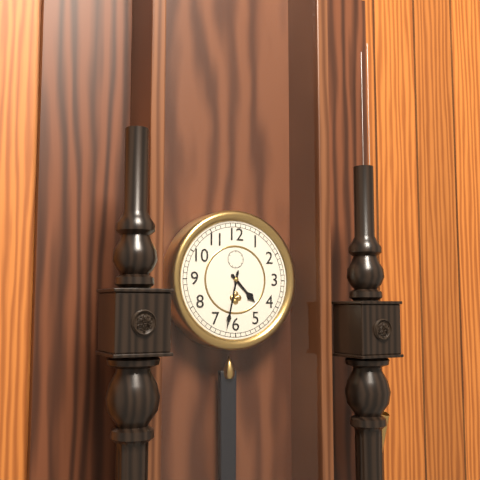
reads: 4,32
